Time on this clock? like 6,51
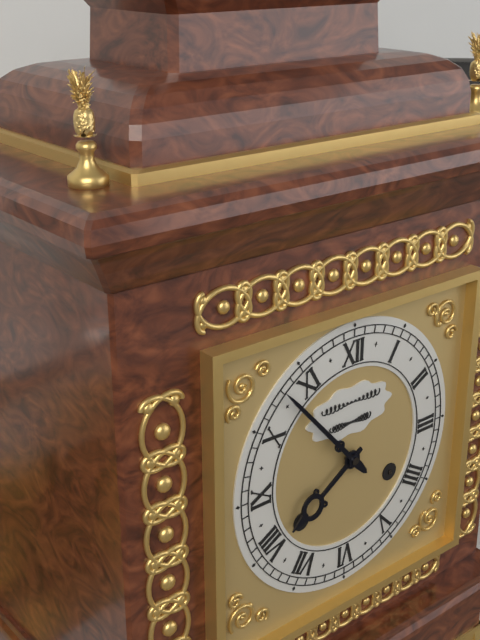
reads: 7,53
